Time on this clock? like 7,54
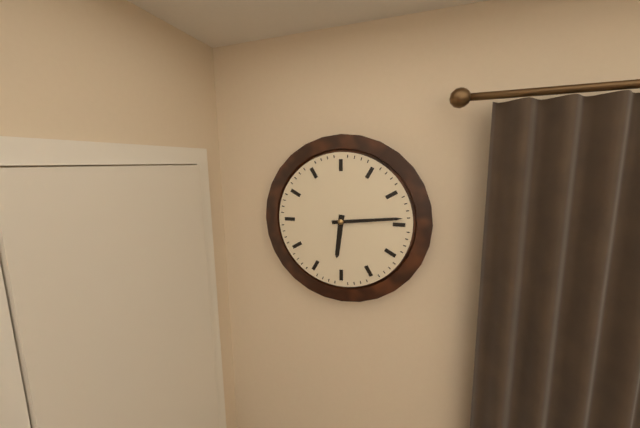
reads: 6,14
